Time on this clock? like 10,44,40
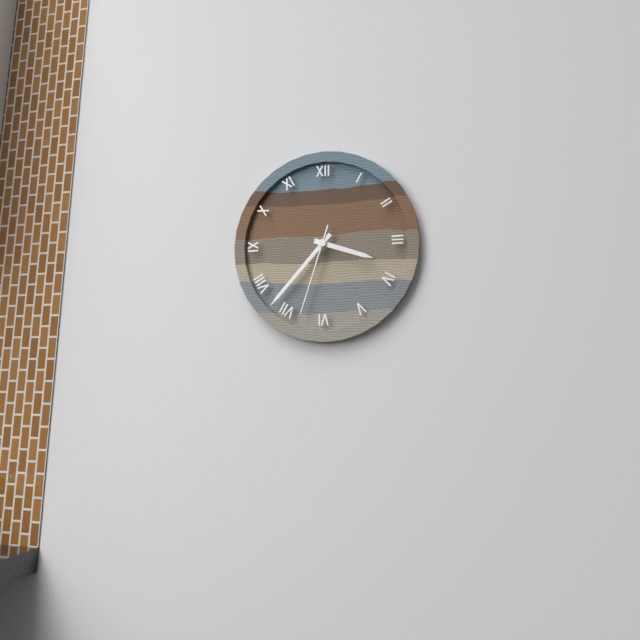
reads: 3,37,33
